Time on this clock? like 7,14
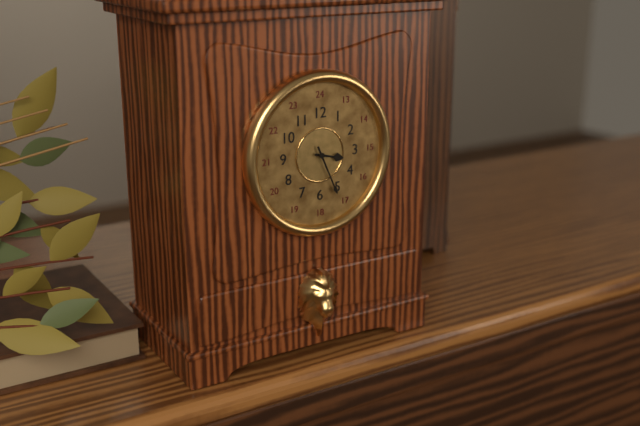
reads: 3,26
